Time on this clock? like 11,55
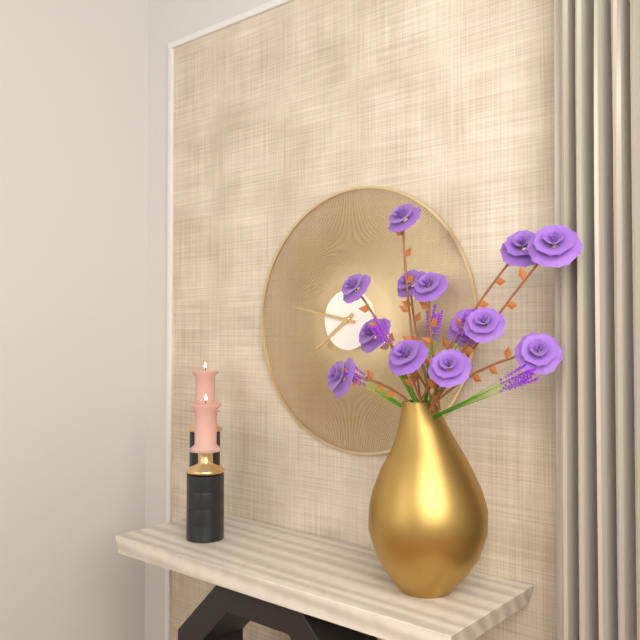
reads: 7,47
